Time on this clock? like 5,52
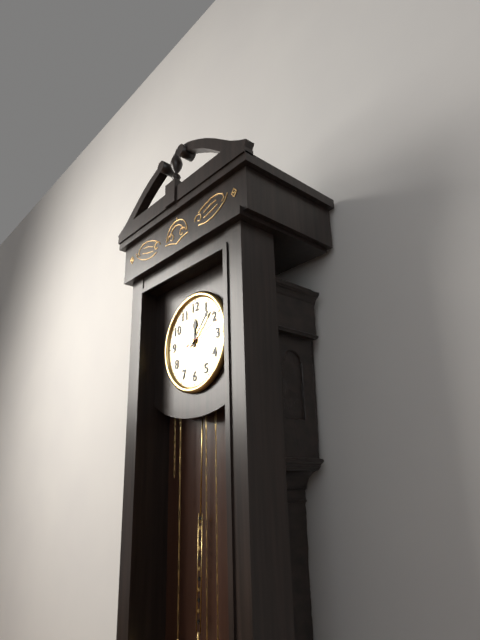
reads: 12,07
